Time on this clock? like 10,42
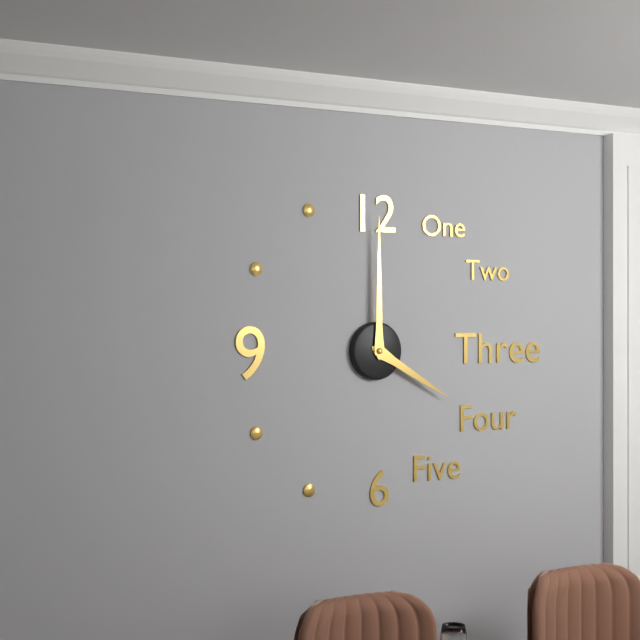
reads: 4,00
